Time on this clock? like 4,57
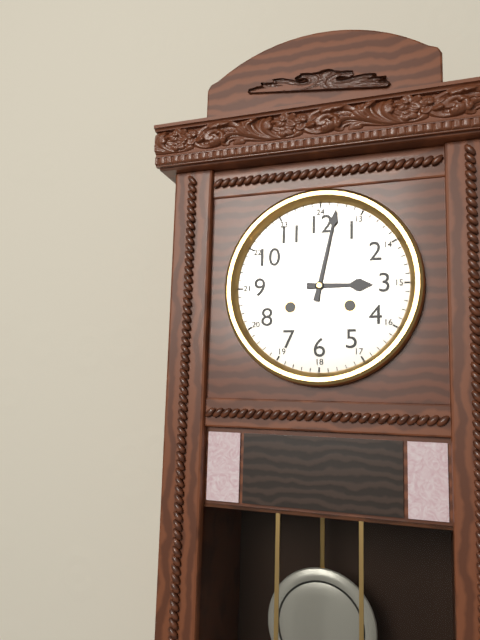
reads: 3,02
